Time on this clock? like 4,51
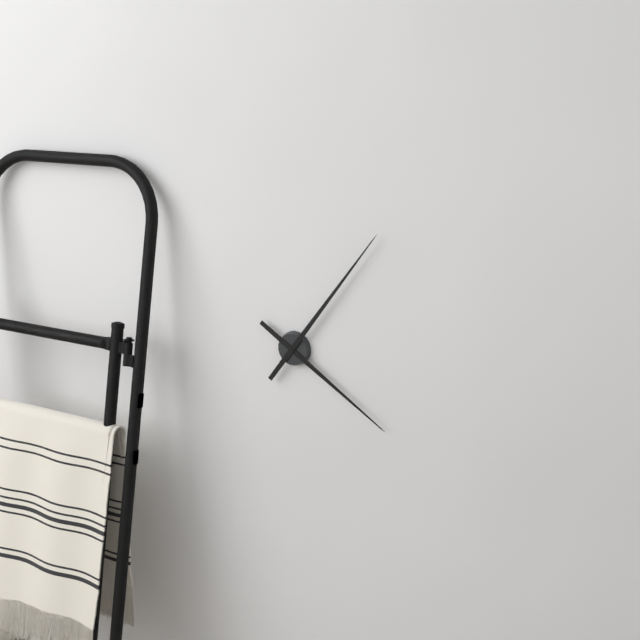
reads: 4,06
